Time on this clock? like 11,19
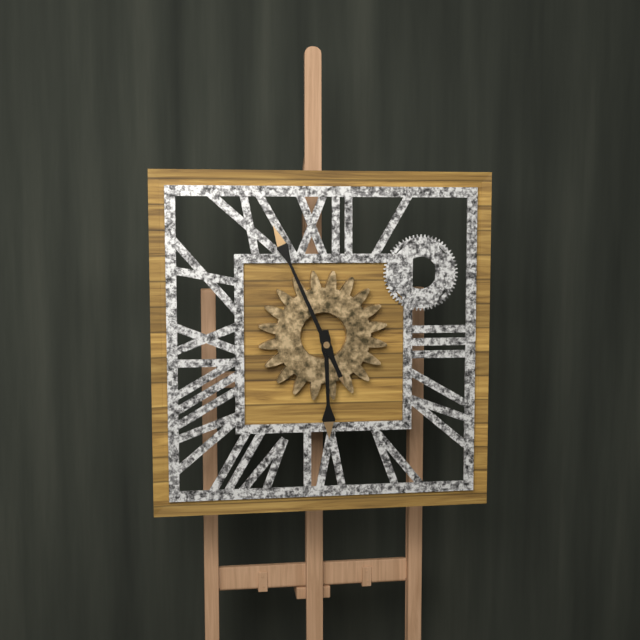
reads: 5,56
